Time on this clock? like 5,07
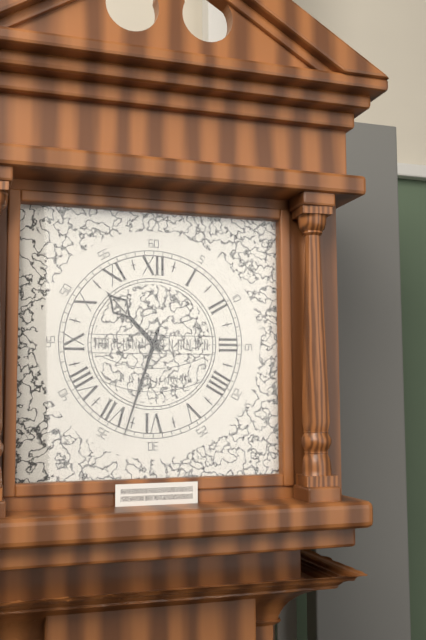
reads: 10,33
